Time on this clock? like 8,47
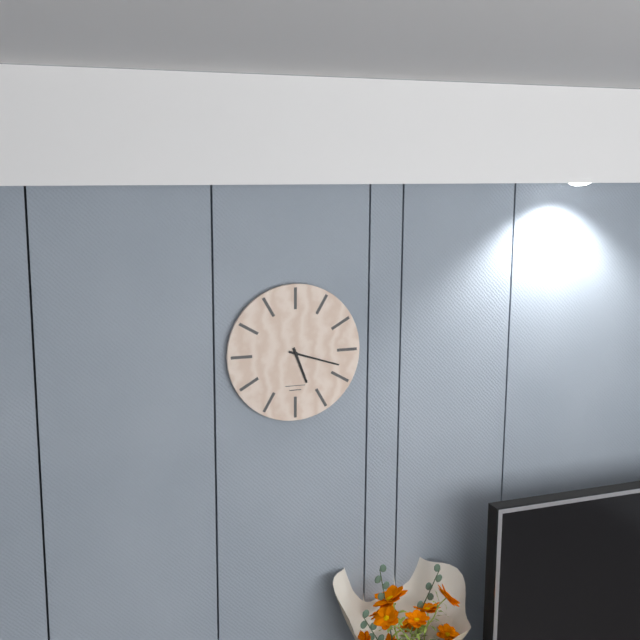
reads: 5,18
